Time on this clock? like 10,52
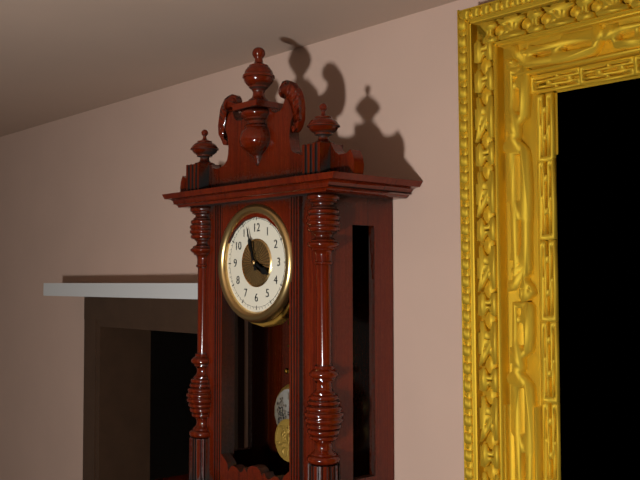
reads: 3,57
